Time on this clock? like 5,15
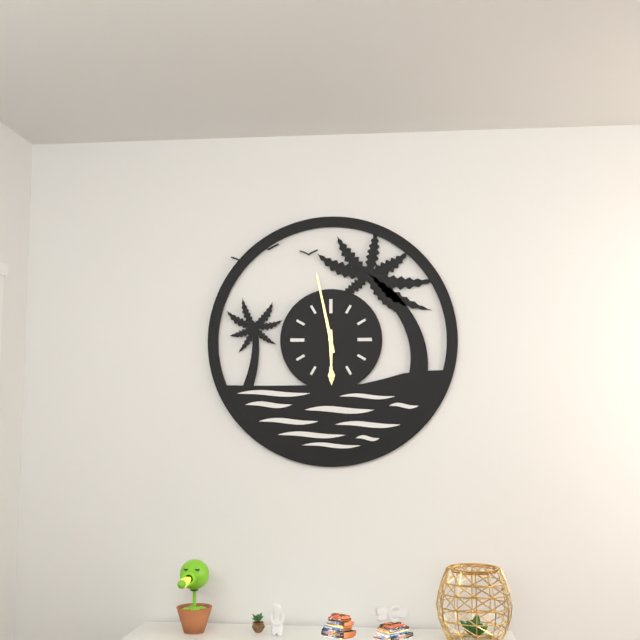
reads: 5,58
